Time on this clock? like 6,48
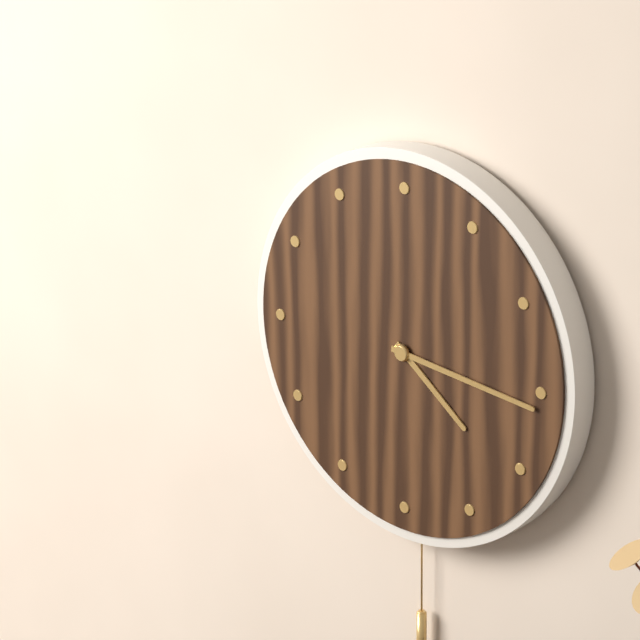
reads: 4,16
